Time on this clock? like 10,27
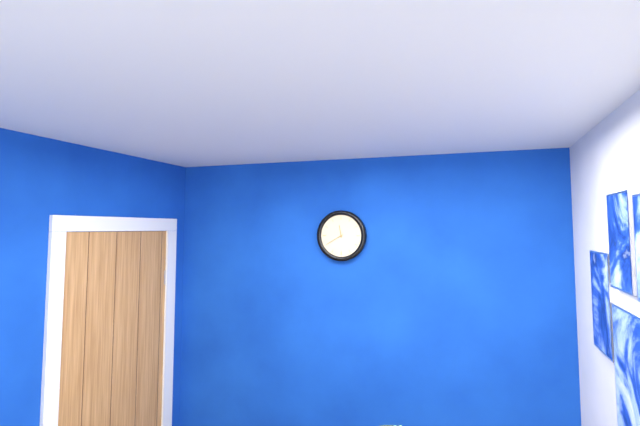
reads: 11,40
